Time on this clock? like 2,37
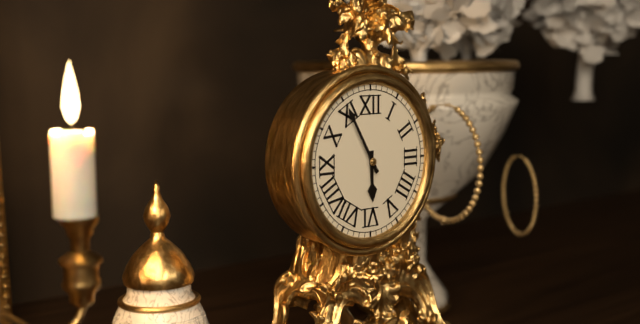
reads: 5,55
